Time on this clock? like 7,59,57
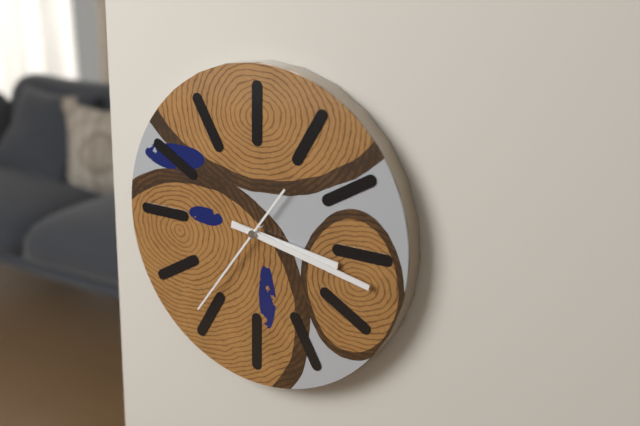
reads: 3,17,36
